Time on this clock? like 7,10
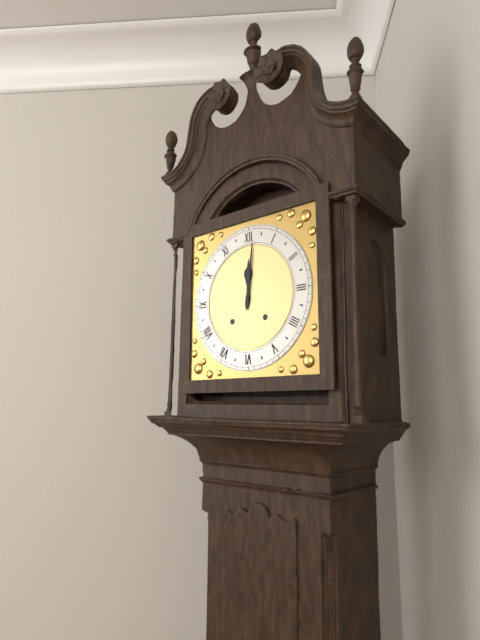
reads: 12,01
